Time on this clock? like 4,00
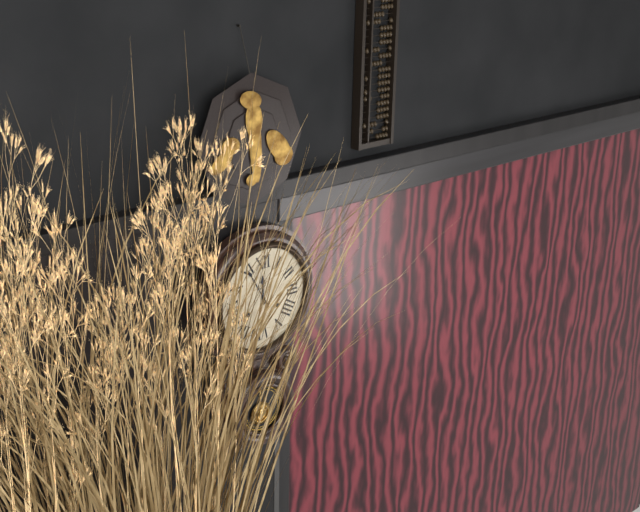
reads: 11,55
